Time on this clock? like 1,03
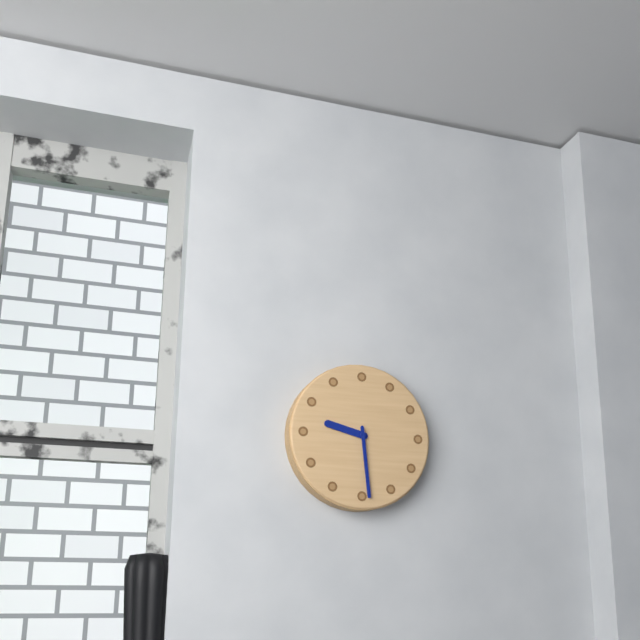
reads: 9,29
